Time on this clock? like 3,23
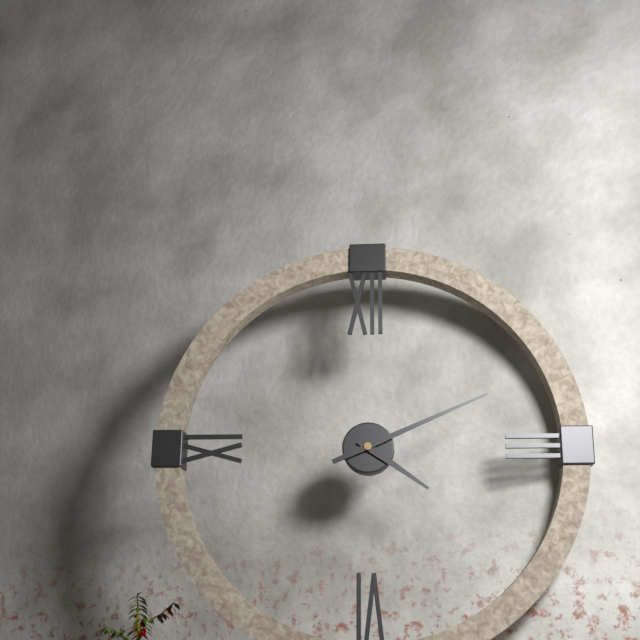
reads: 4,11
